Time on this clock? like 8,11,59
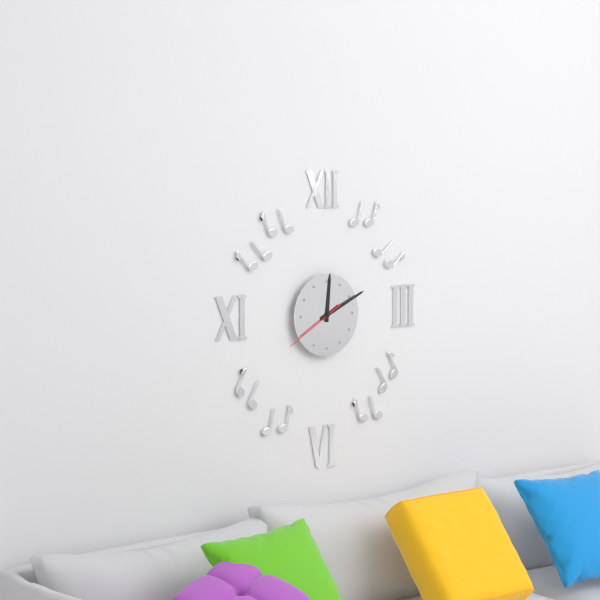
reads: 12,11,40
